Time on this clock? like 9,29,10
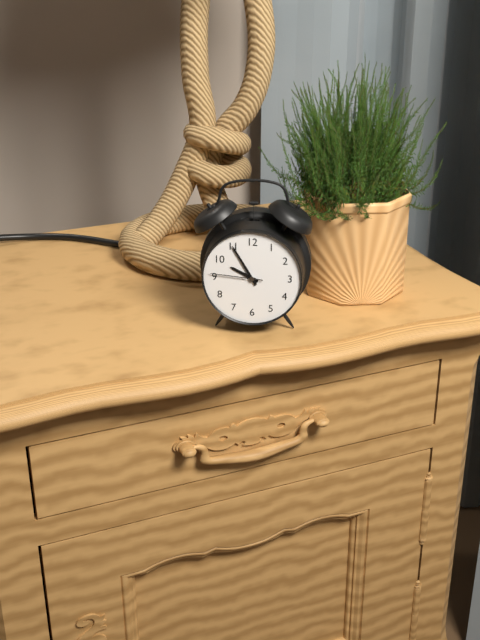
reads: 9,55,46
